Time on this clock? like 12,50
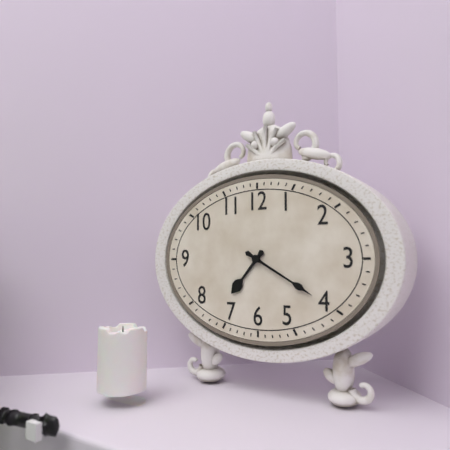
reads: 7,20
